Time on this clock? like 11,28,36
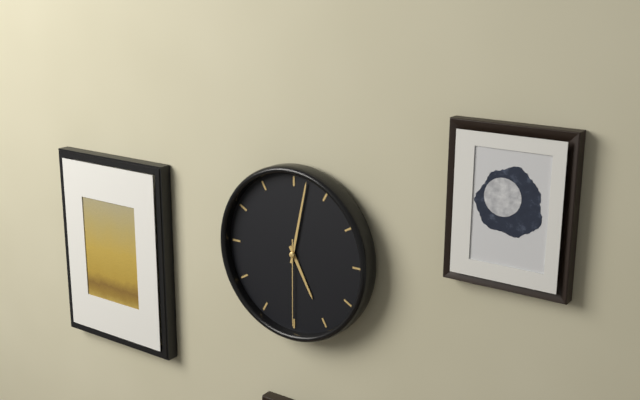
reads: 5,02,30
